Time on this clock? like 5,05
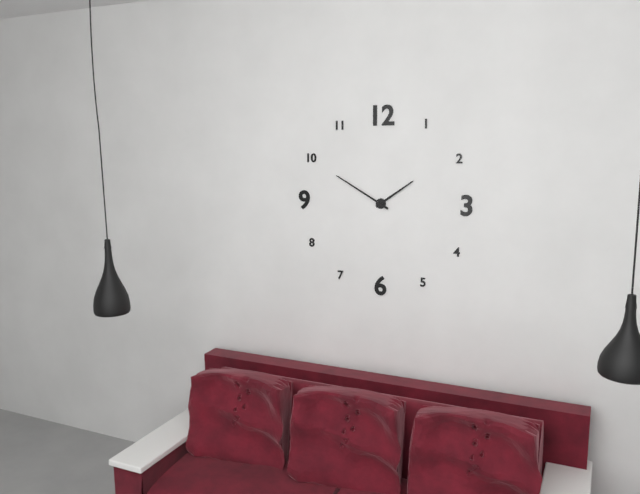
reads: 1,50
